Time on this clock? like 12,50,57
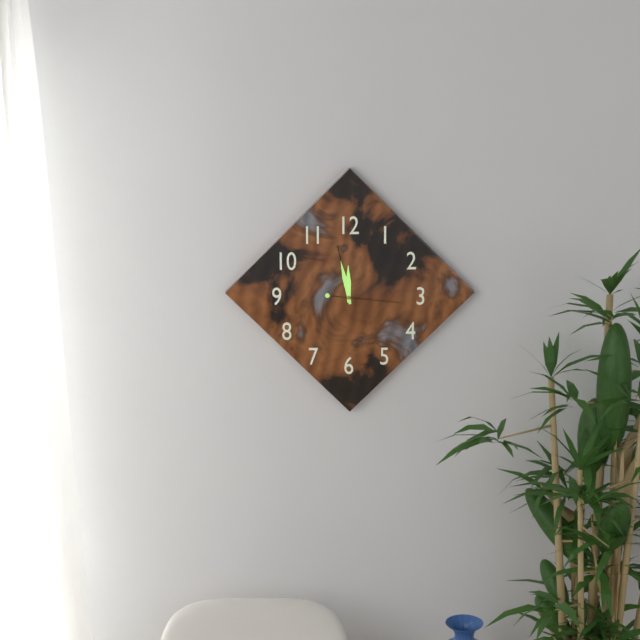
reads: 11,58,16
